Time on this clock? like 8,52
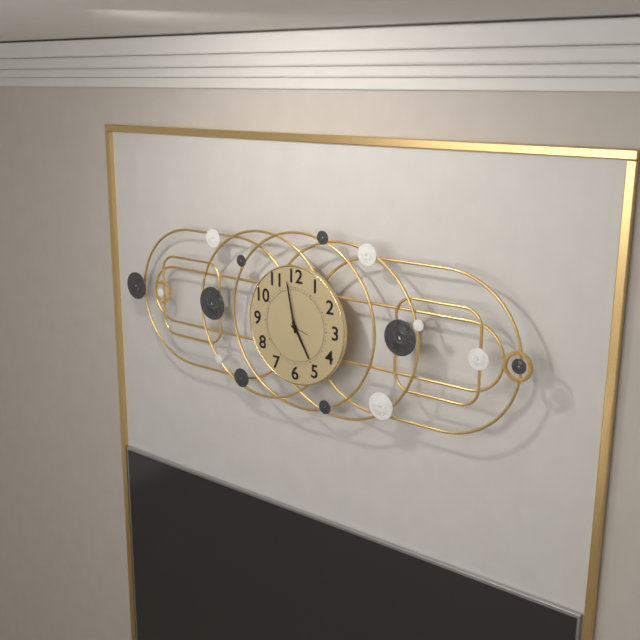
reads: 4,58
